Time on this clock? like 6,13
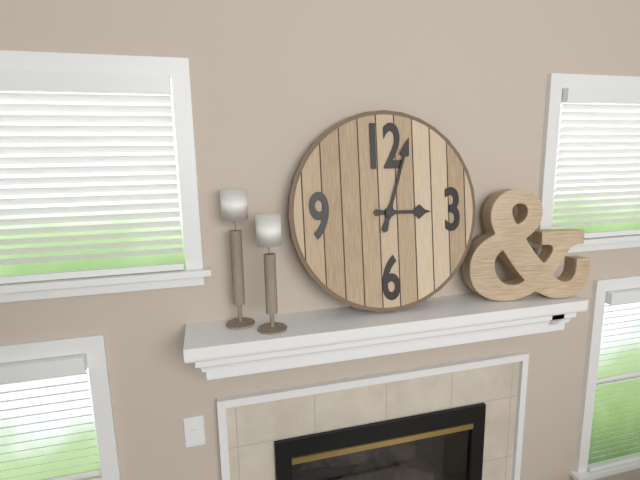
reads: 3,03
